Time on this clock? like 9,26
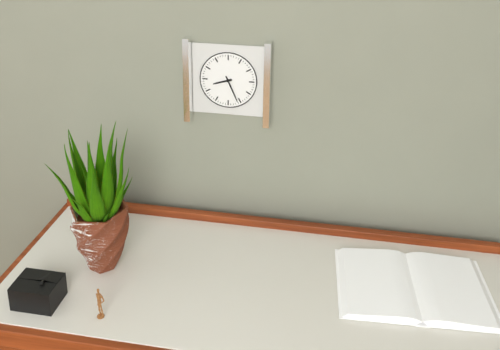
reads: 8,26
